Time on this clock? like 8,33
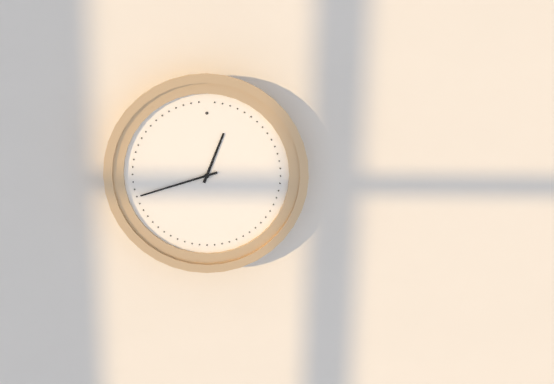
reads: 12,42
